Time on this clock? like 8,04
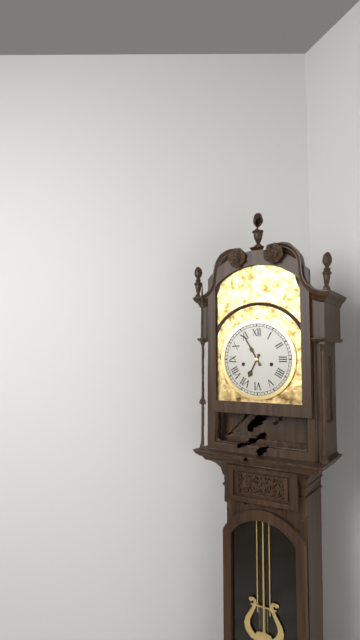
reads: 6,55
